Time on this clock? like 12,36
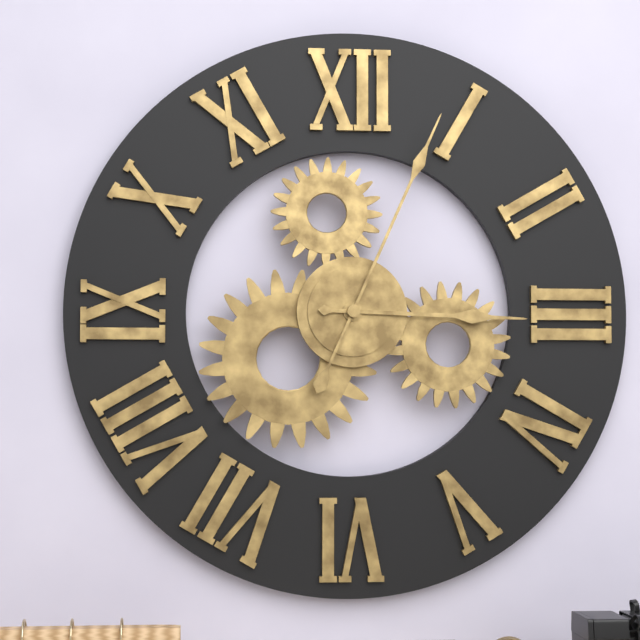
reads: 3,04
